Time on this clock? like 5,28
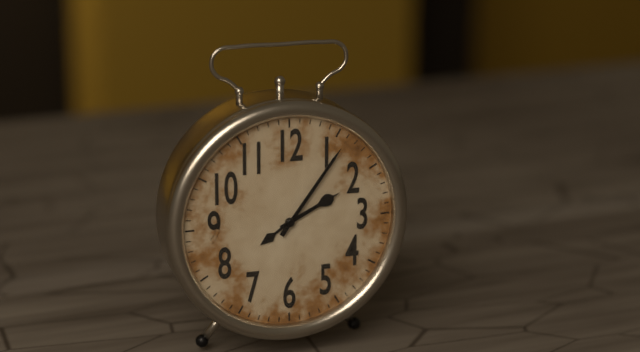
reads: 2,06
